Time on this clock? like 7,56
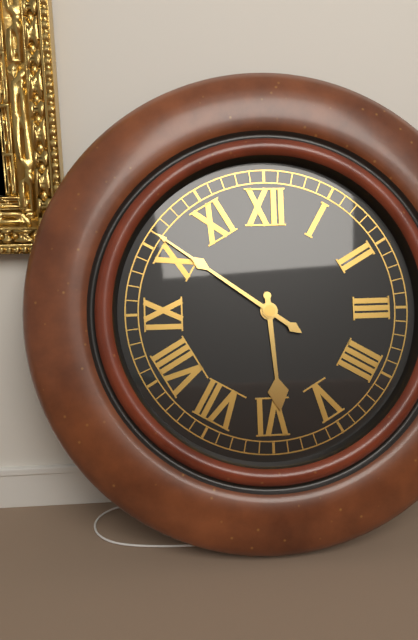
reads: 5,51
